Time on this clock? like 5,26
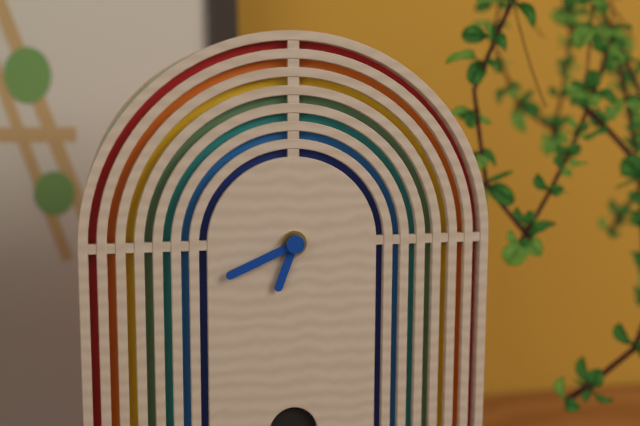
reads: 6,41
